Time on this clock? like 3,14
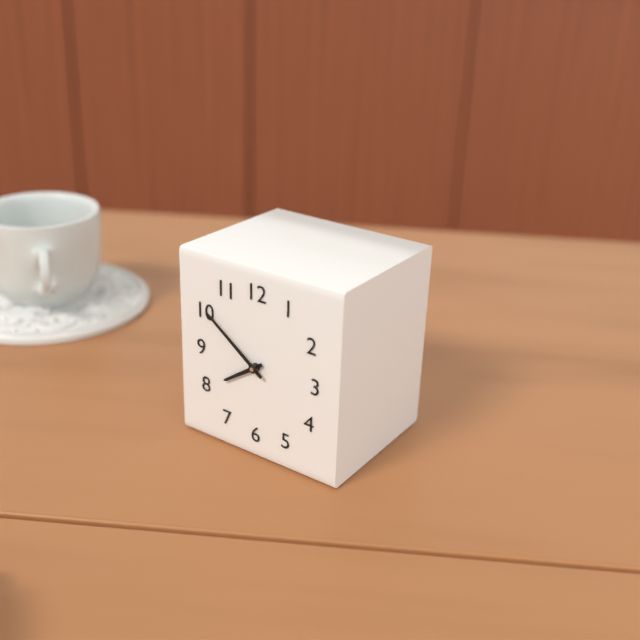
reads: 7,51
